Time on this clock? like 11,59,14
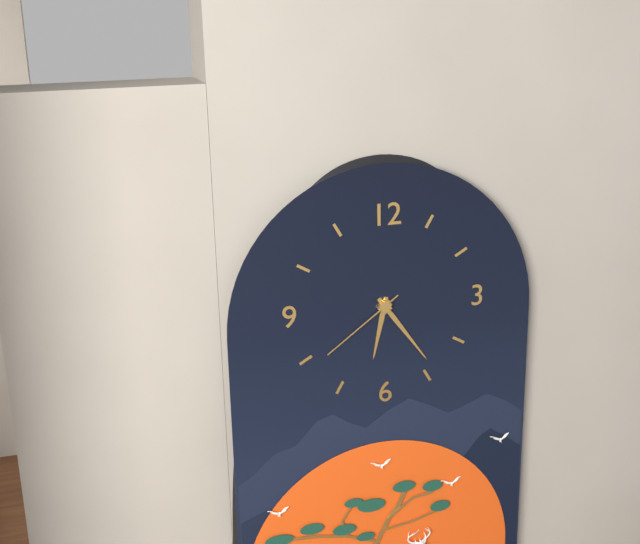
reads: 6,24,39
